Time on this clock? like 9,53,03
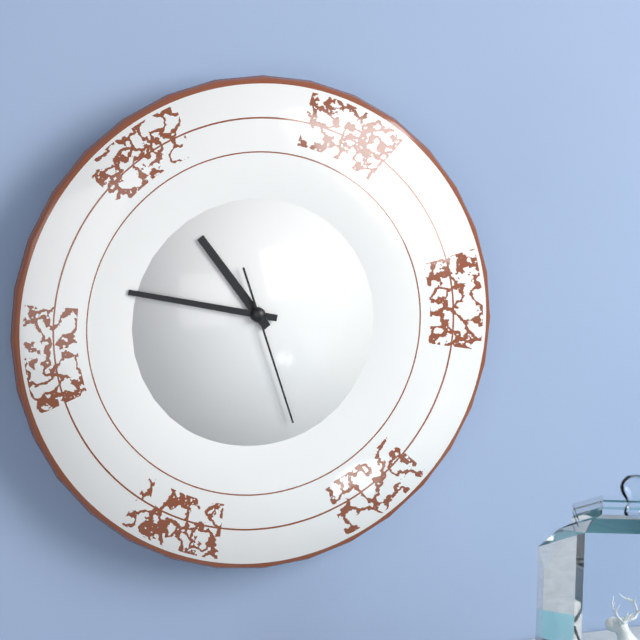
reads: 10,47,27
